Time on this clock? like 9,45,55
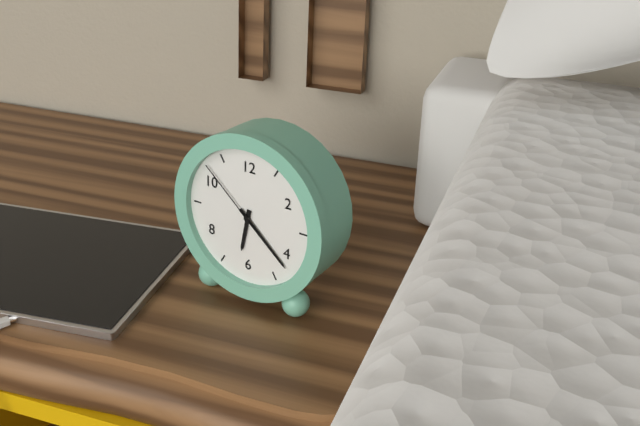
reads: 6,22,52
